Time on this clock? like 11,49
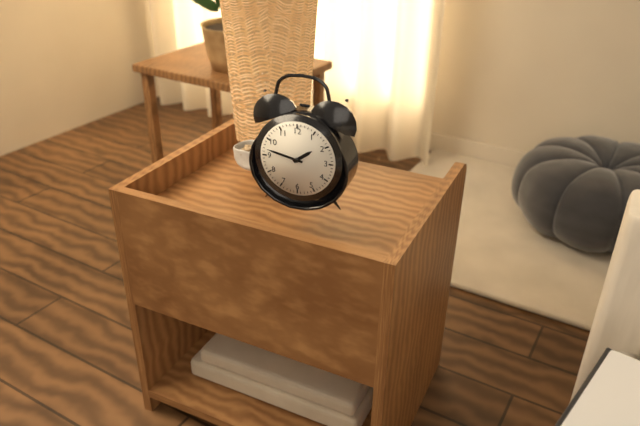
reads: 1,47
